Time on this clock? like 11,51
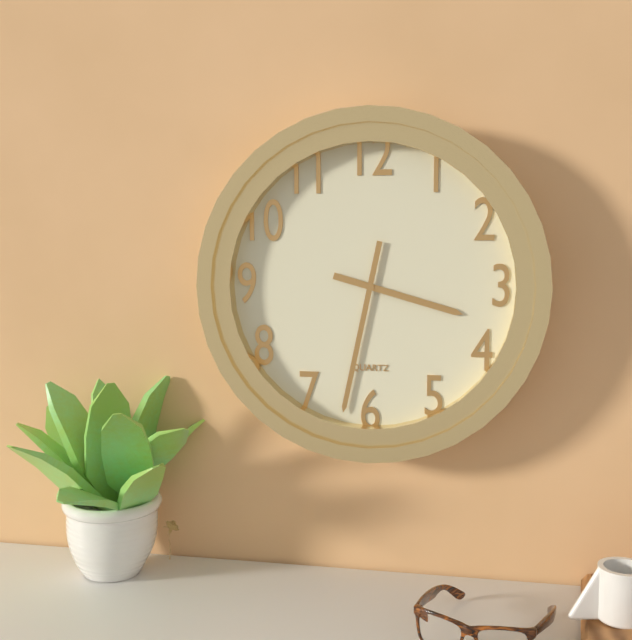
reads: 3,32
